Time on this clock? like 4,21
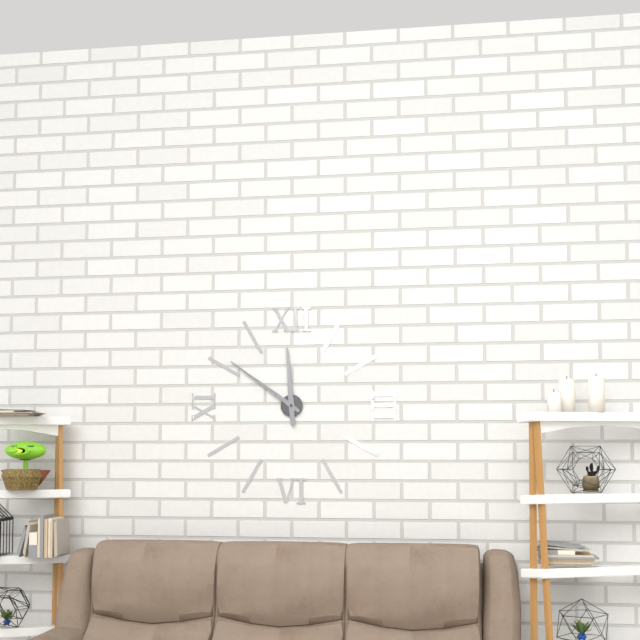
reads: 11,51
